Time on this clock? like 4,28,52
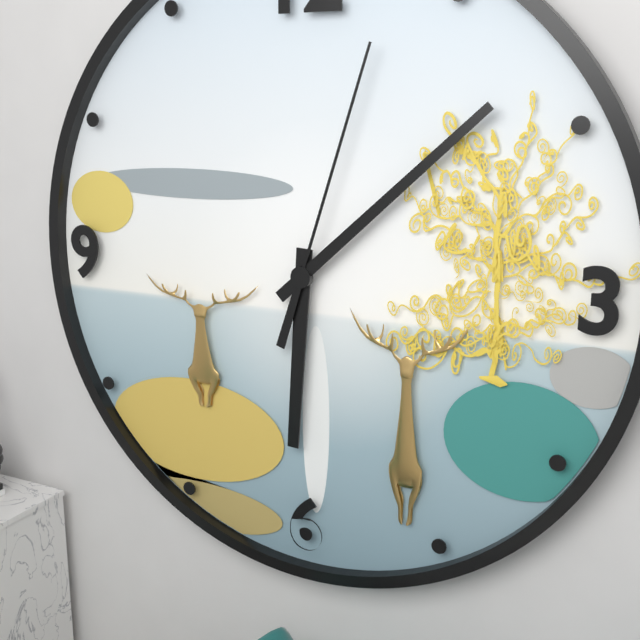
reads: 6,08,03
